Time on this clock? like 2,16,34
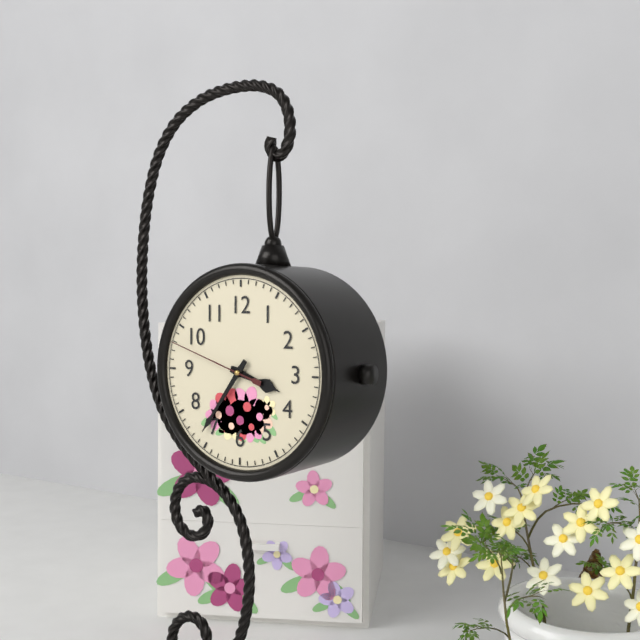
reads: 3,36,48
